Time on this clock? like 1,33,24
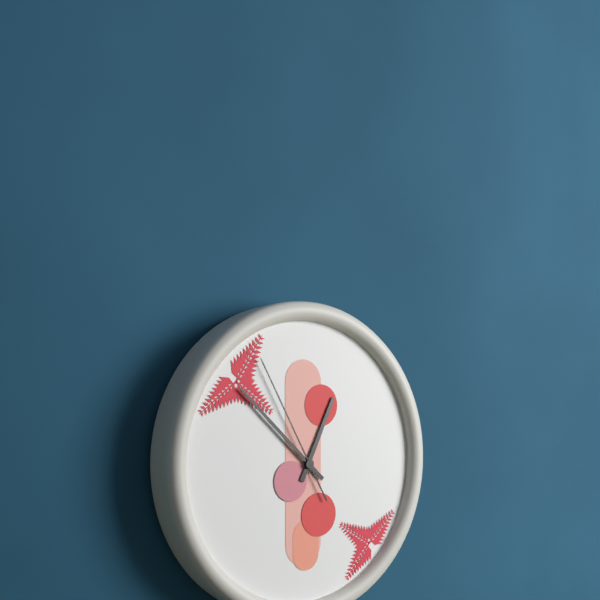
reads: 12,52,55
